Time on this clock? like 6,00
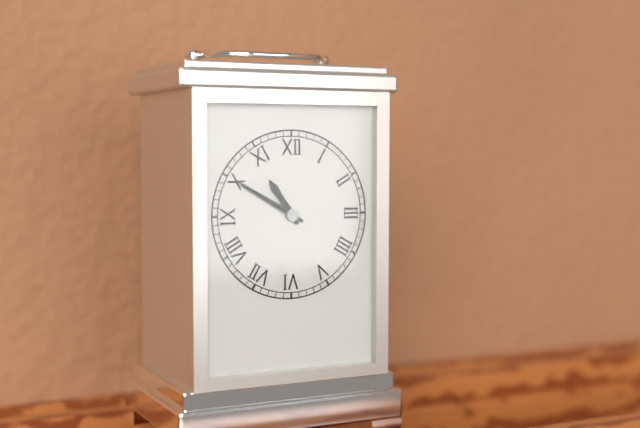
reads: 10,50
